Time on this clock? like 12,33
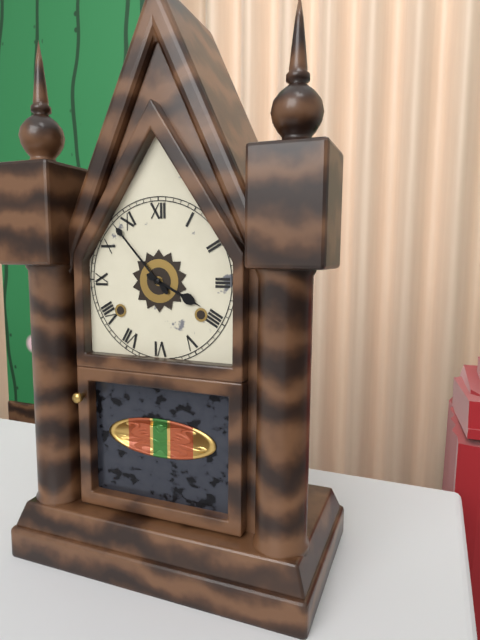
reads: 3,53
